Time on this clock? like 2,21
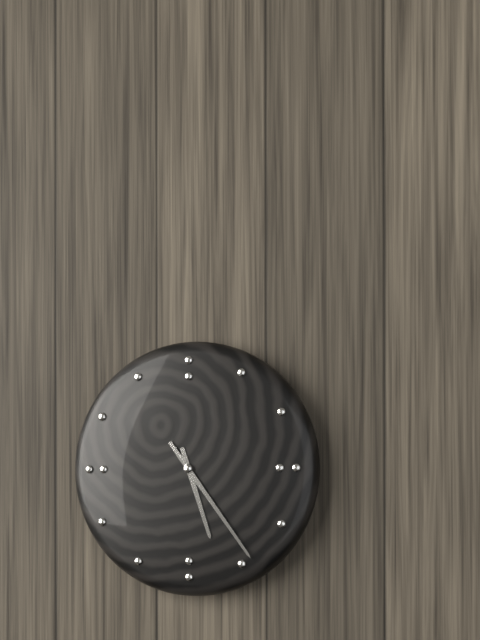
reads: 5,24
